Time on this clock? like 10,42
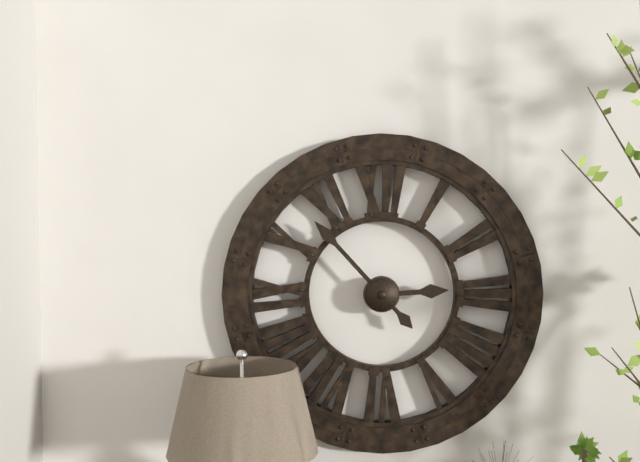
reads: 2,53
